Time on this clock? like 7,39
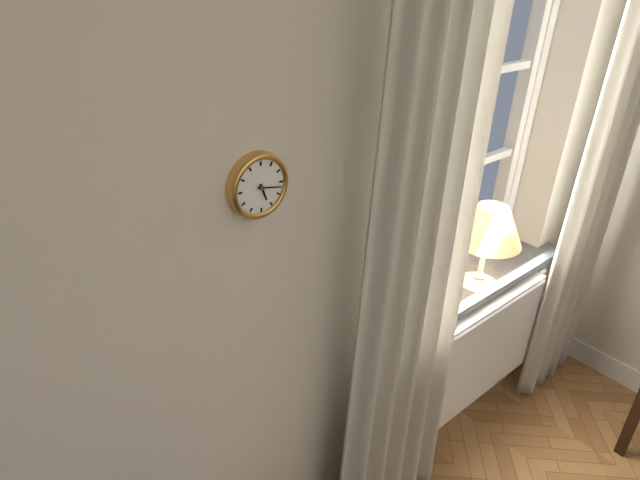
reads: 5,17
